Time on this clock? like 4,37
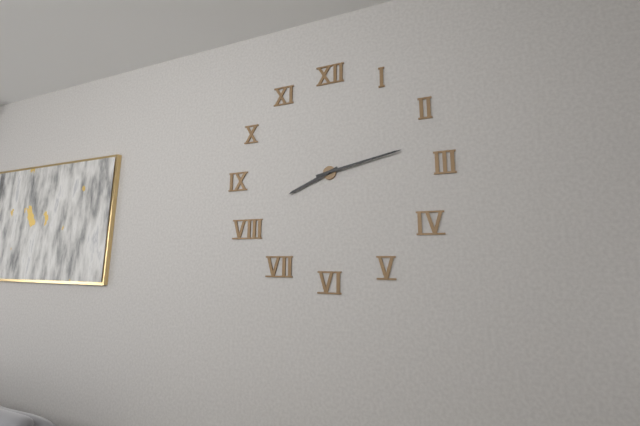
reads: 8,13
